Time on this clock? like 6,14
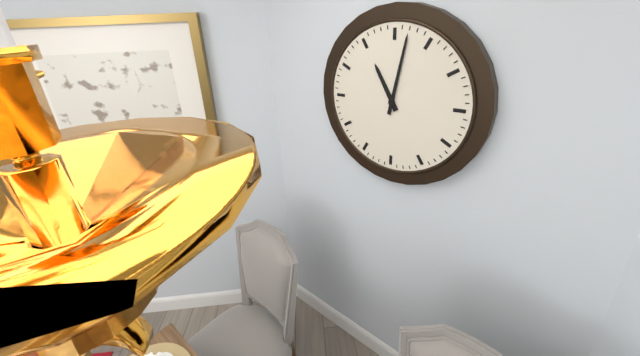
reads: 11,02
